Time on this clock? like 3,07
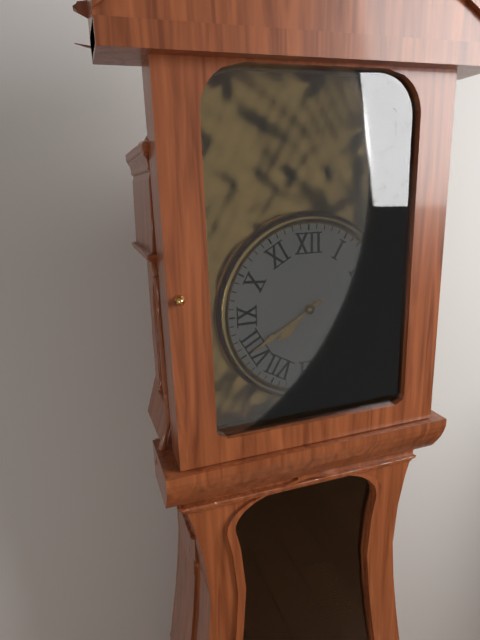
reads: 7,40
